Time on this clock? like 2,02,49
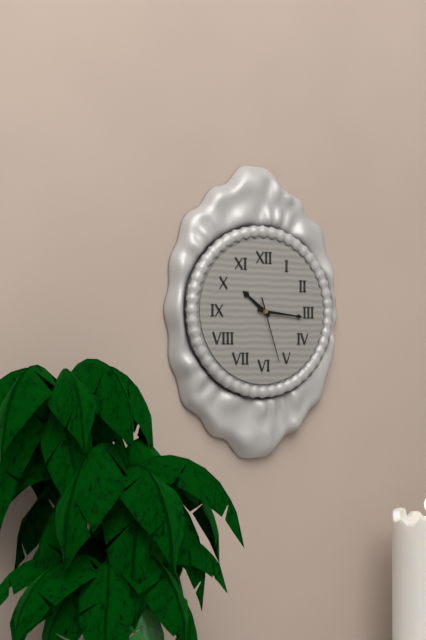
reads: 10,16,27
